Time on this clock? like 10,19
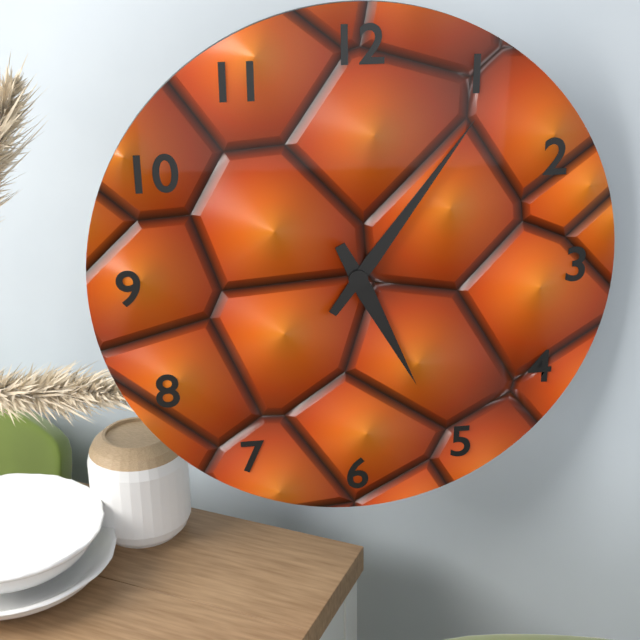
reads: 5,06
